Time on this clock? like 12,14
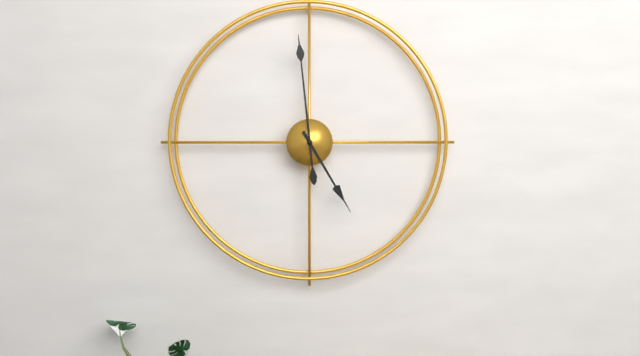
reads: 4,59
